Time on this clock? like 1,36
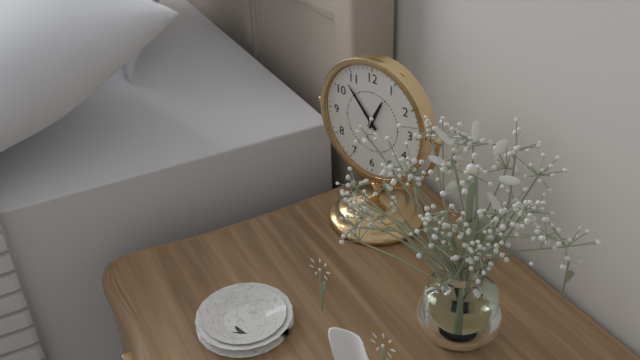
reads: 12,53
